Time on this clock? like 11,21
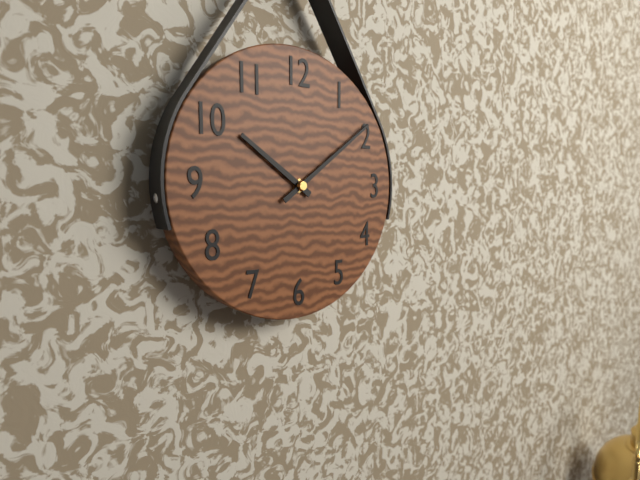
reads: 10,09
